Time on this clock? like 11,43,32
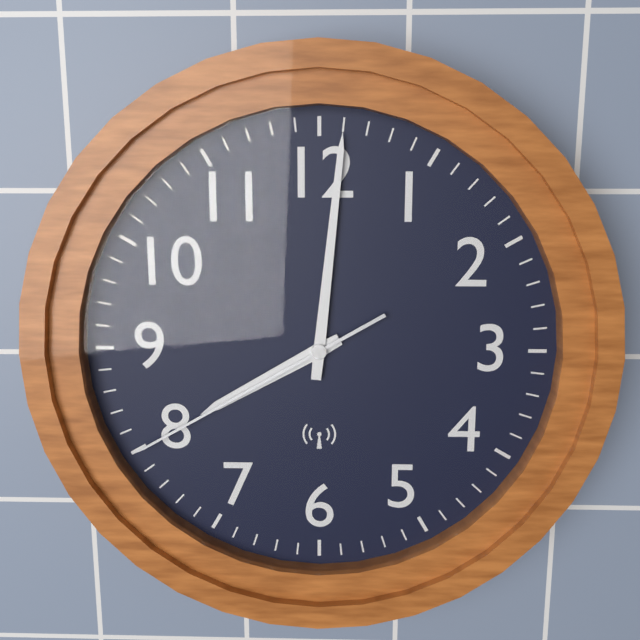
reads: 8,01,40
